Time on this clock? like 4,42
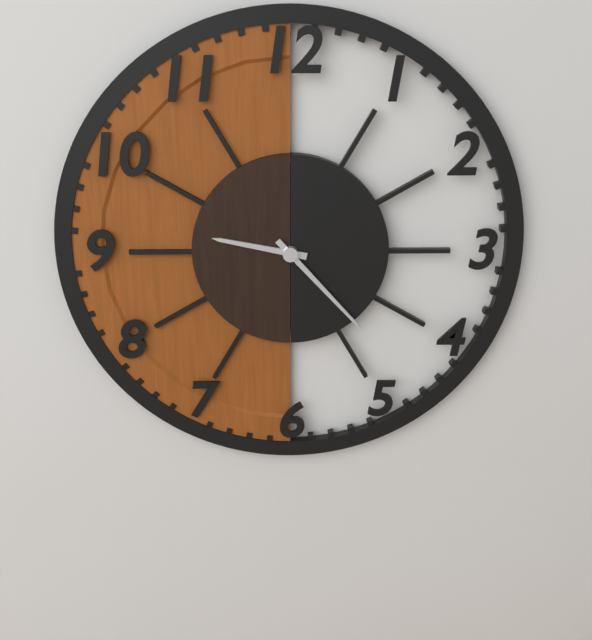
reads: 9,23
